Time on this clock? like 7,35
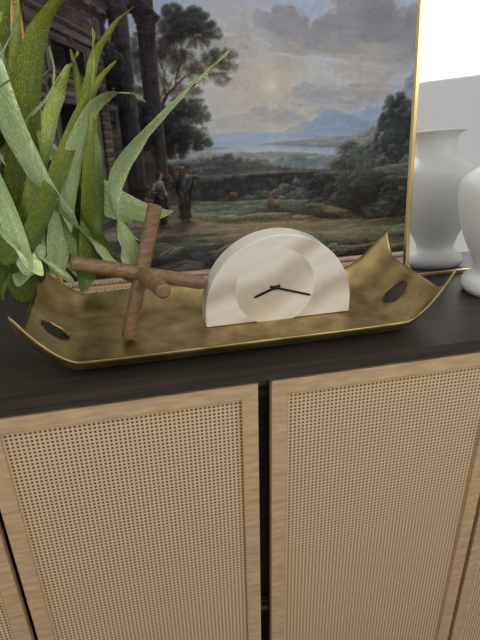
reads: 8,18
